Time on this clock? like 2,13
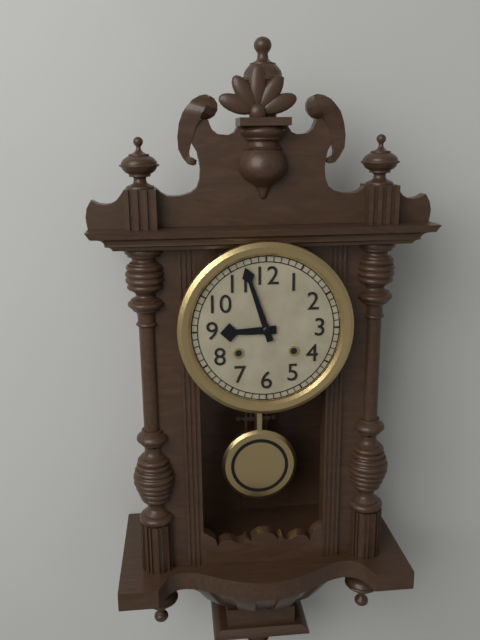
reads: 8,57
